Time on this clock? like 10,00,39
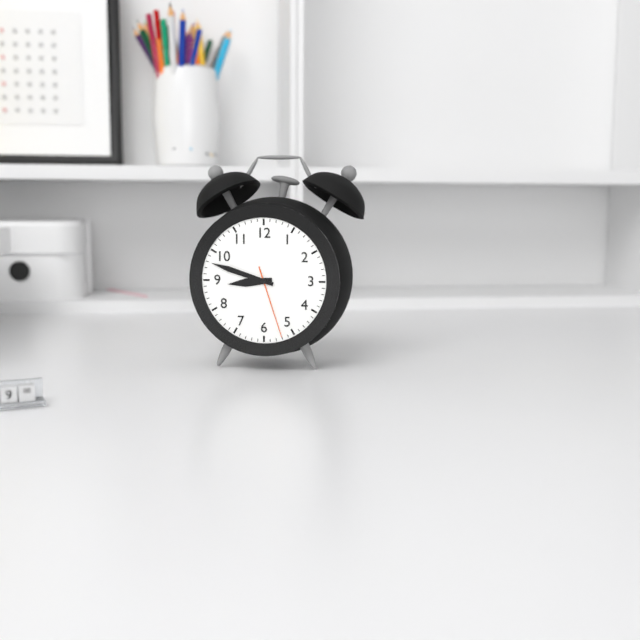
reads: 8,48,27
